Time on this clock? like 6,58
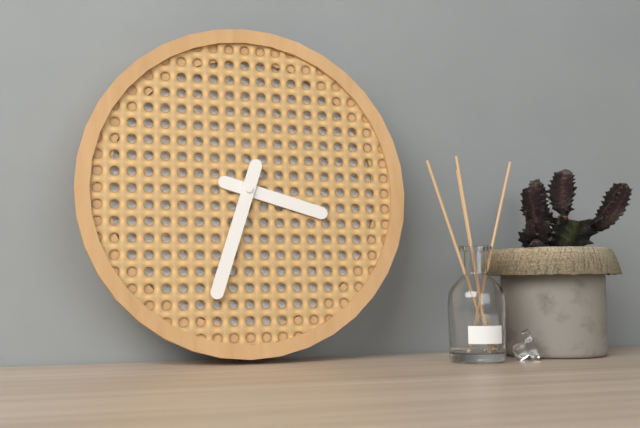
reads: 3,33
